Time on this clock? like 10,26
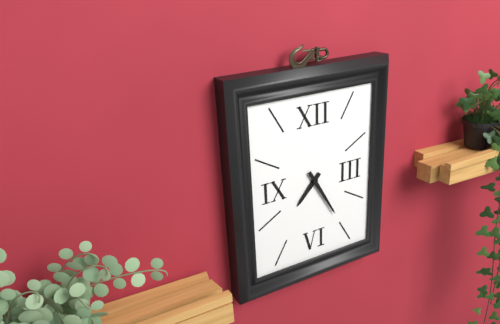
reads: 7,25
